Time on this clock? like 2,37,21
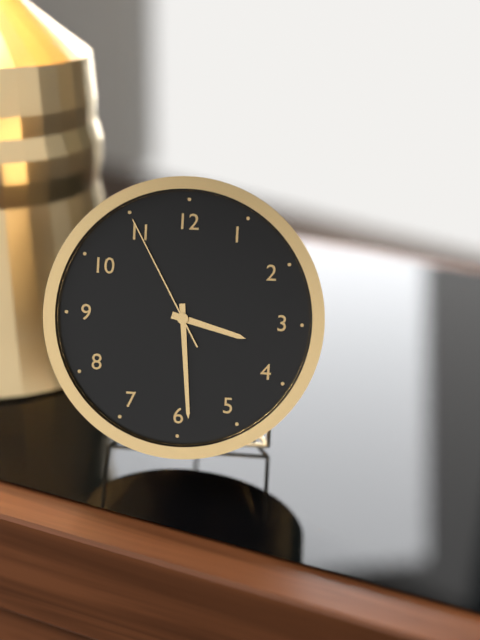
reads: 3,29,55
